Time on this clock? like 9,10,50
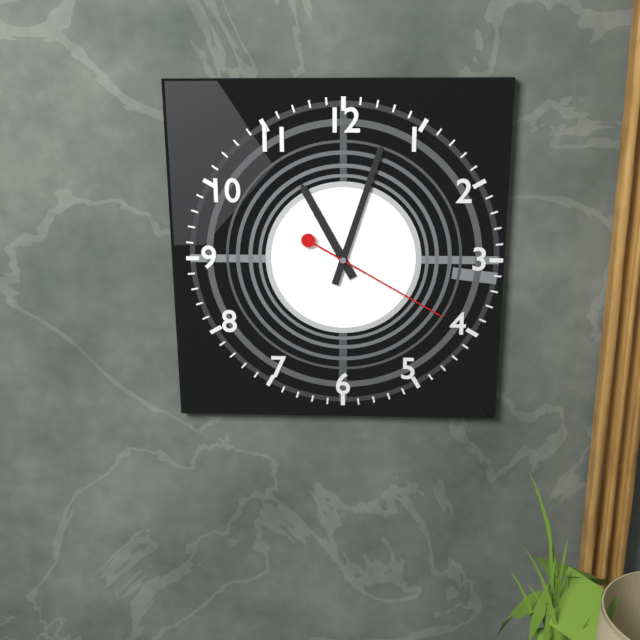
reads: 11,03,20
